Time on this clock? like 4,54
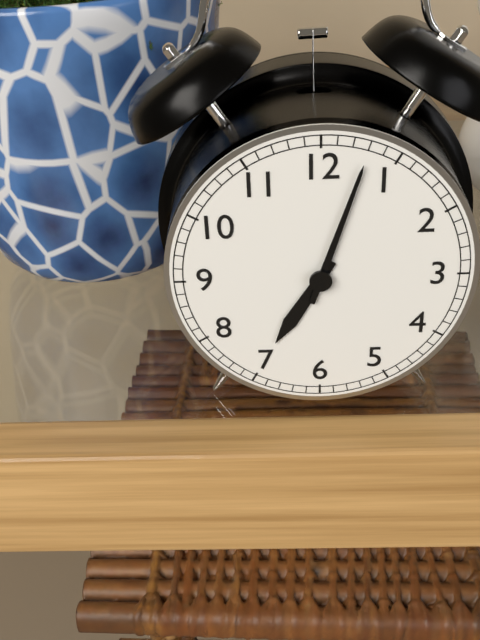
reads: 7,03
